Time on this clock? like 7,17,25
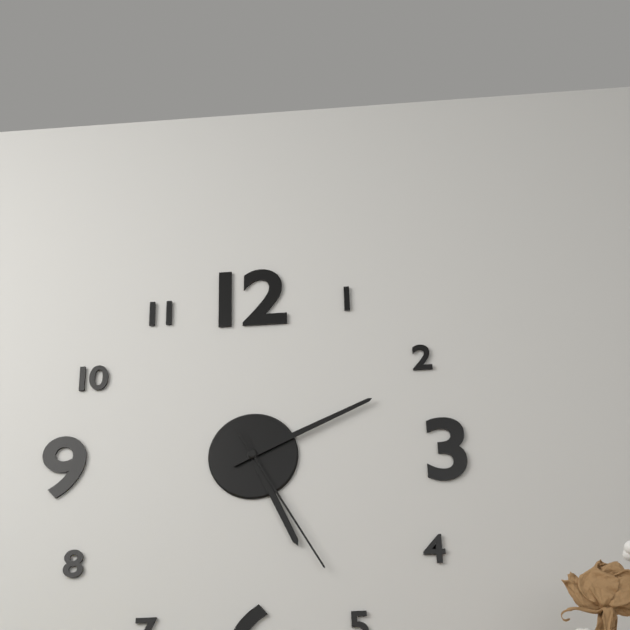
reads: 5,11,25
